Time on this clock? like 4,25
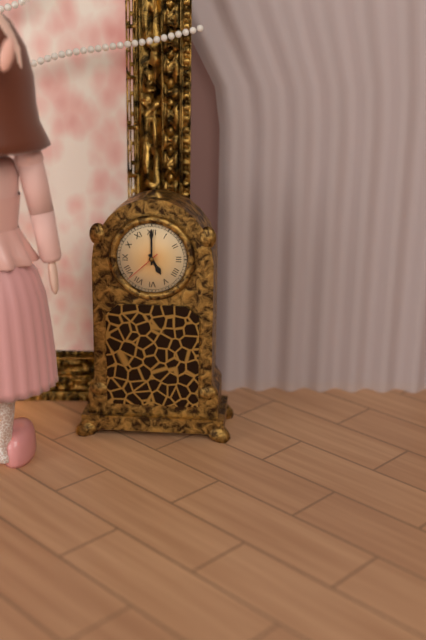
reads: 5,00
